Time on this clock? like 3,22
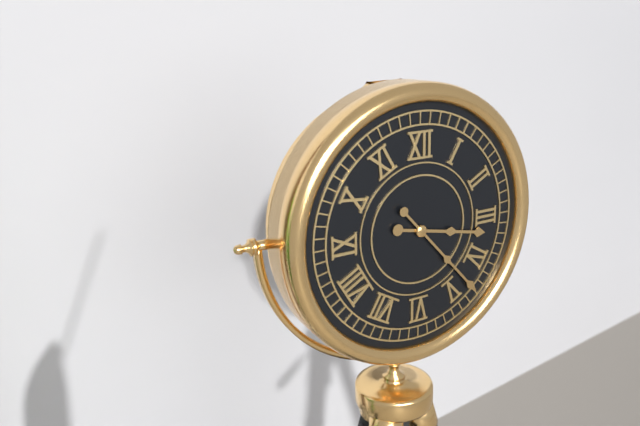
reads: 3,23
